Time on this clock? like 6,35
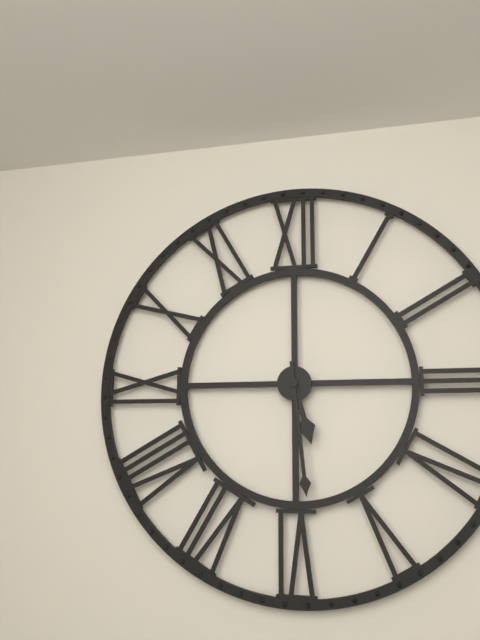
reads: 5,29
